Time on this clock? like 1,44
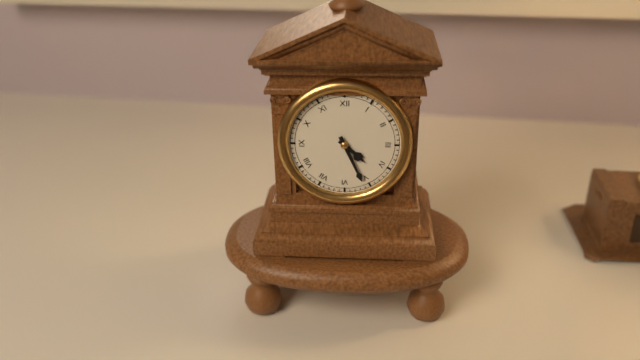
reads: 4,26
